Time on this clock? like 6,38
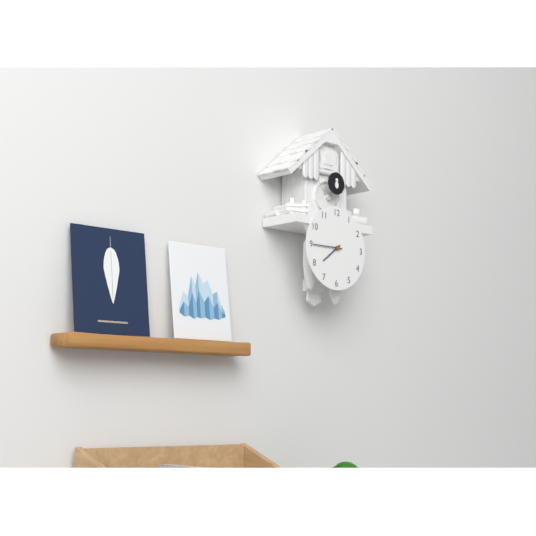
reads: 7,45
